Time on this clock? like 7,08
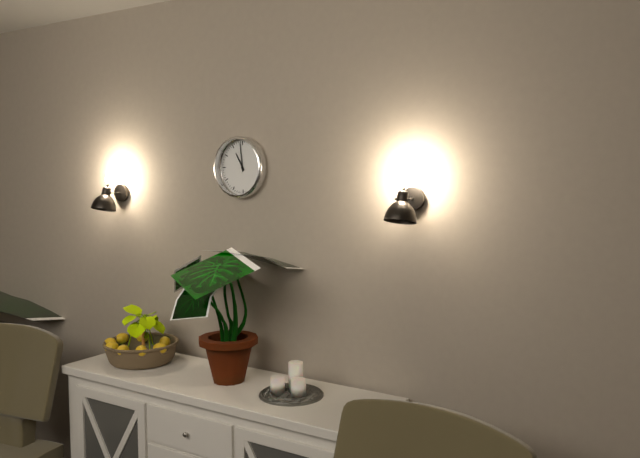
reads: 10,59
